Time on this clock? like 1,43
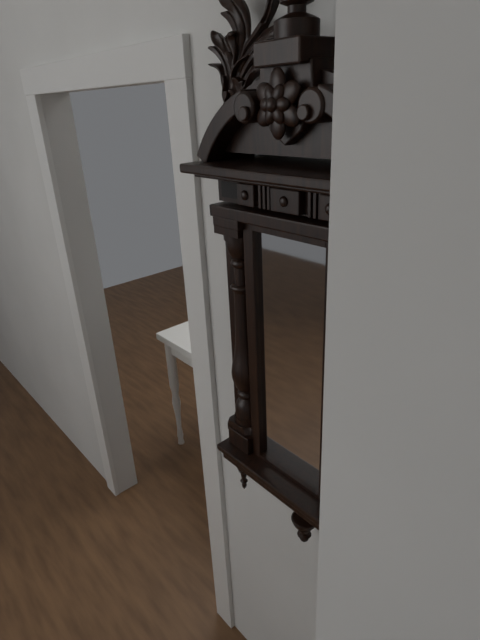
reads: 12,46
